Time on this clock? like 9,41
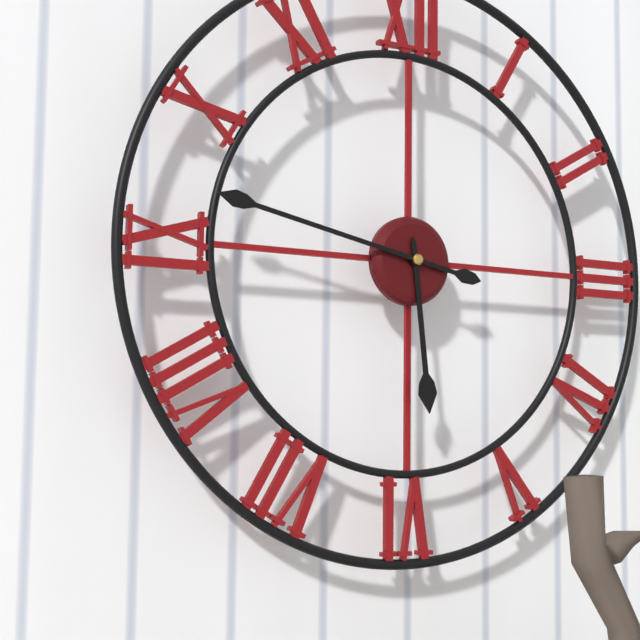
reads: 5,47
